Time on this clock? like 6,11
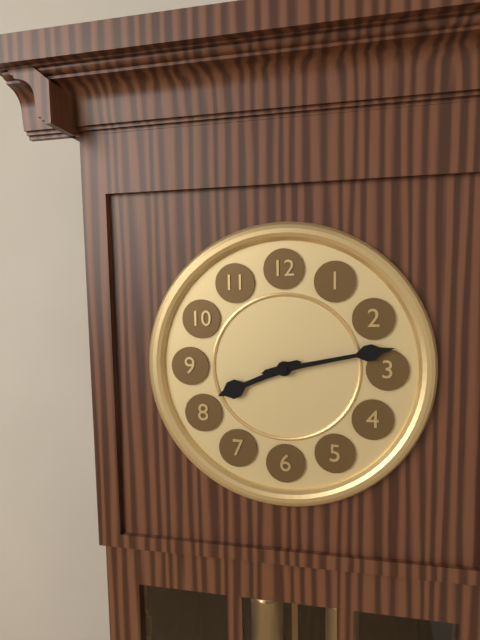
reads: 8,13
